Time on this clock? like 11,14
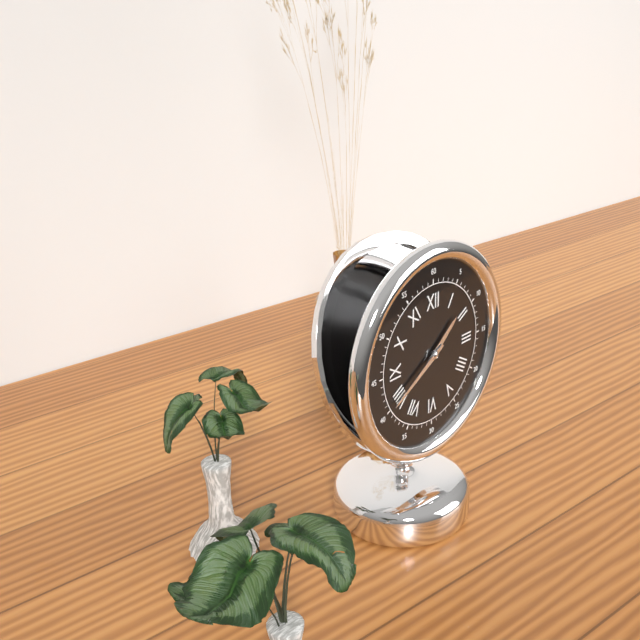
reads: 1,40
